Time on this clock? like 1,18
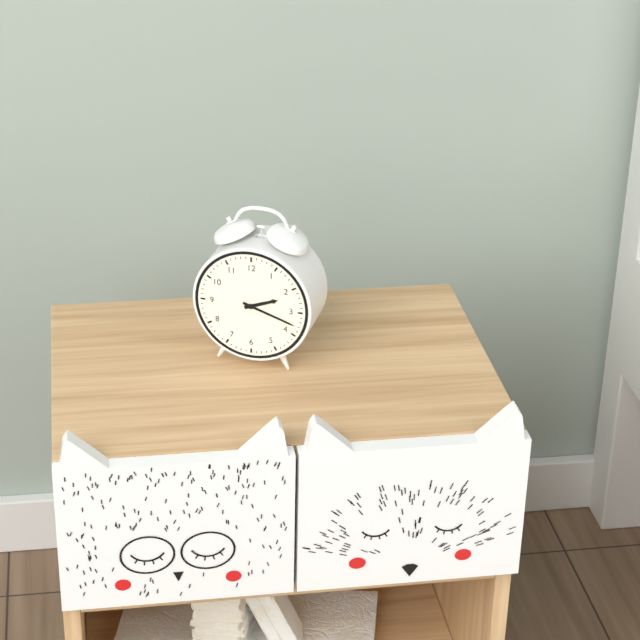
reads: 2,18
